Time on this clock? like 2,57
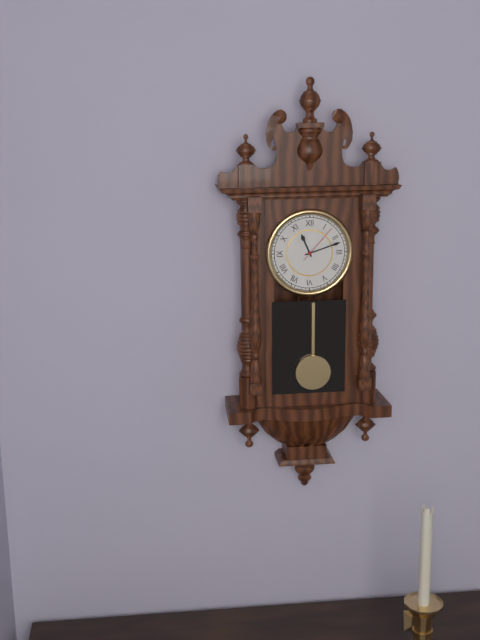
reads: 11,12
